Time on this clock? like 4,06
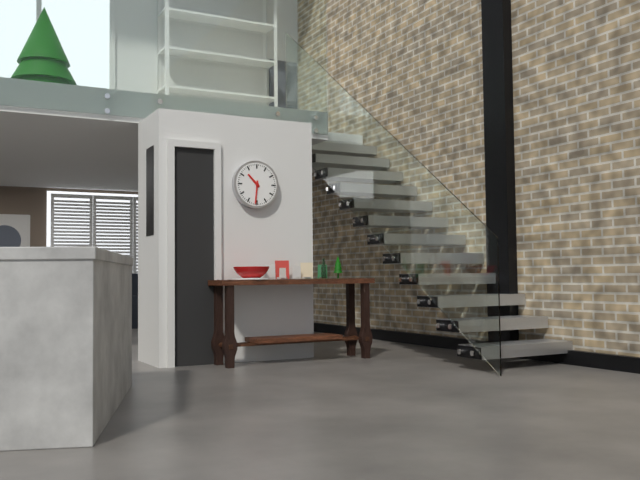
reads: 10,31
